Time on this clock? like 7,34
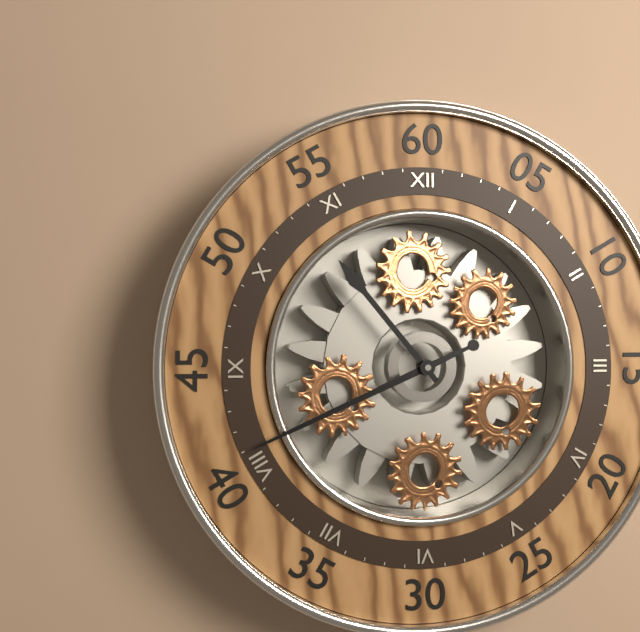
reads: 10,41
